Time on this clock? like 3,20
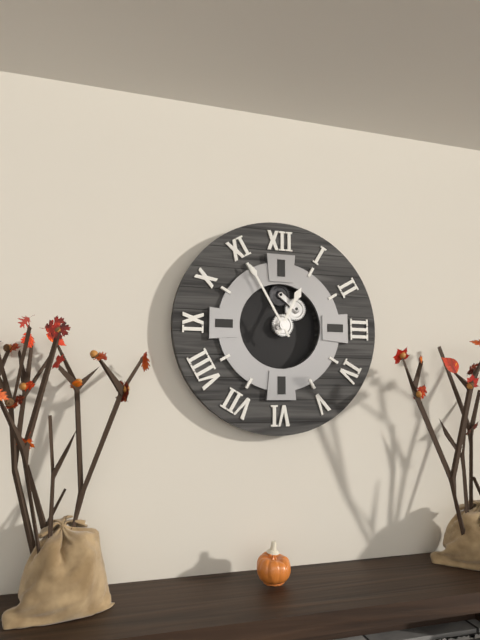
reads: 12,55
